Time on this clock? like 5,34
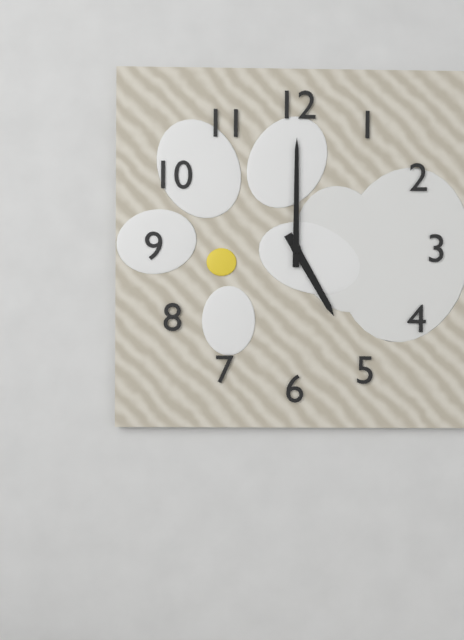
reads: 5,00
